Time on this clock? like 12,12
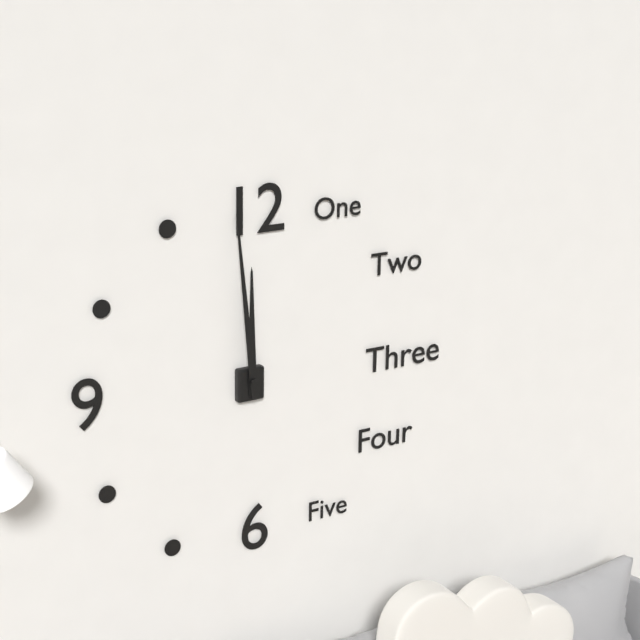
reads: 11,59
